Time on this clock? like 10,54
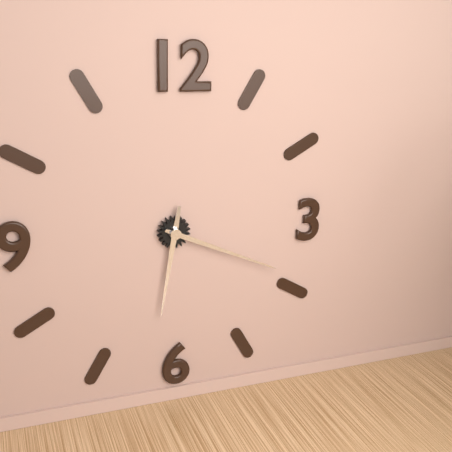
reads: 6,19
